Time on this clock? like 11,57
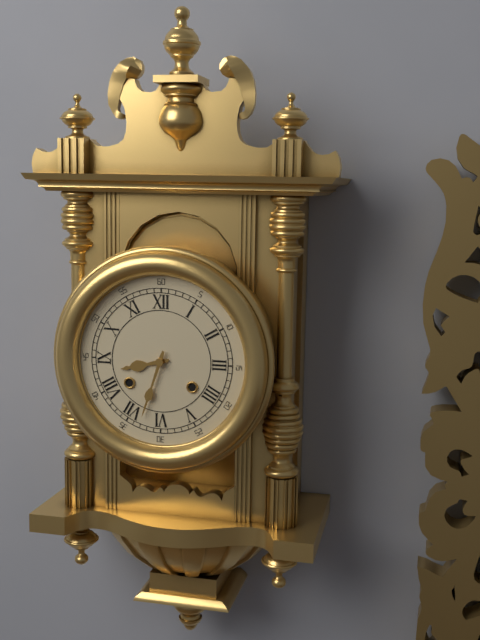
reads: 8,33
